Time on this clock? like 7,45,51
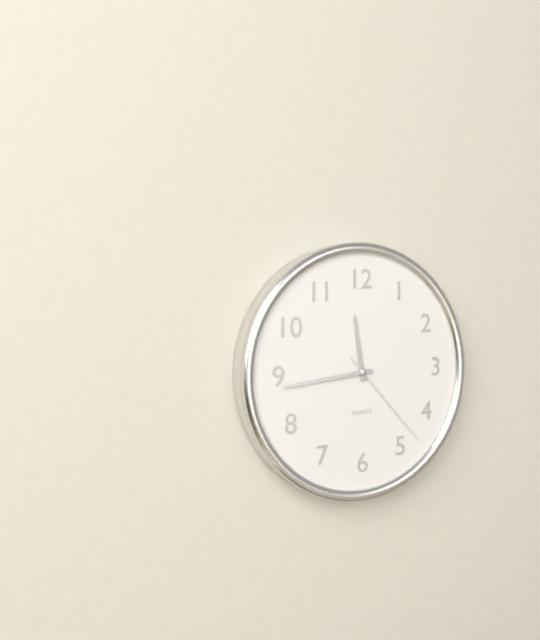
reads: 11,44,23
